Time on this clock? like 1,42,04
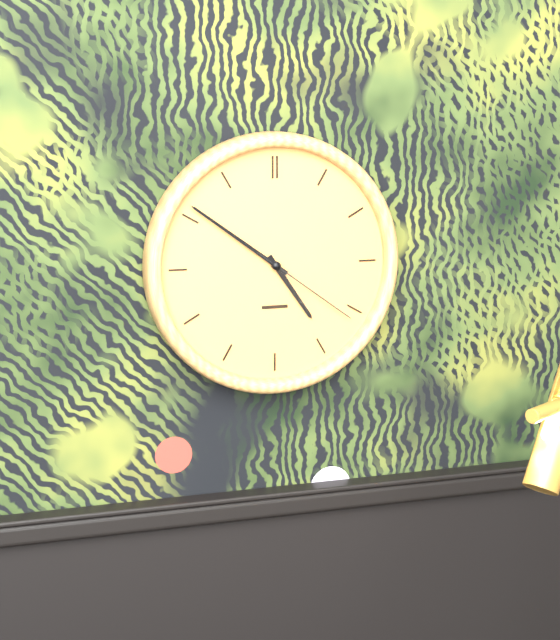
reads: 4,51,21
